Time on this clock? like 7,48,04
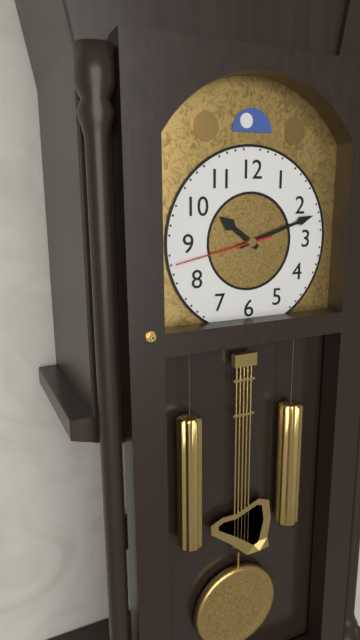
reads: 10,12,43
